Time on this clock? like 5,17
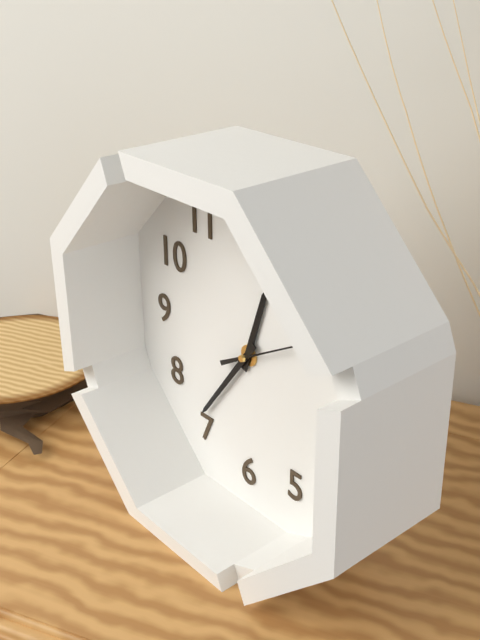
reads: 12,36
